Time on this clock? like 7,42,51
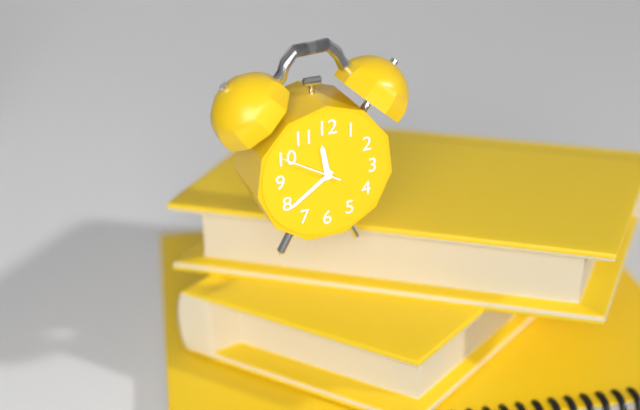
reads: 11,39,50
